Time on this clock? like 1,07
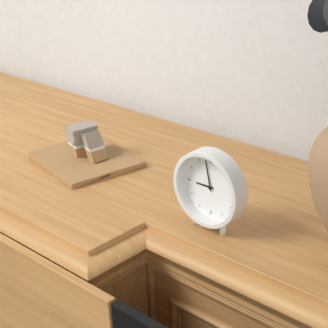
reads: 8,58
